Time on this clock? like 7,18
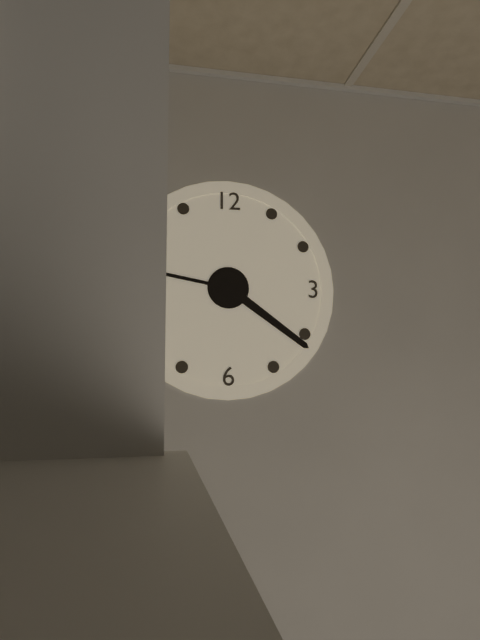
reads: 9,21
